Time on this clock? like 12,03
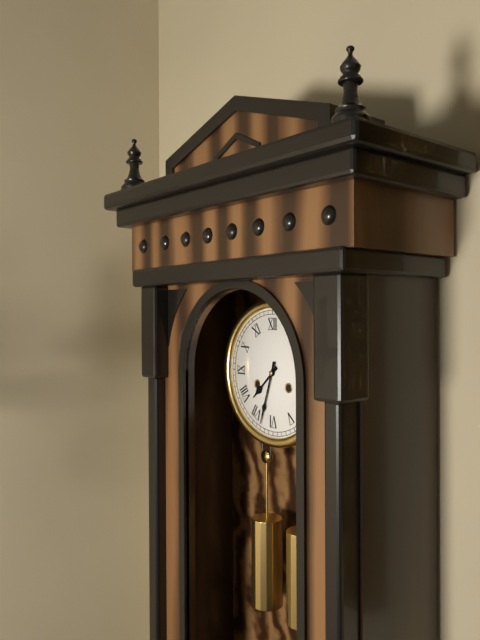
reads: 7,33
